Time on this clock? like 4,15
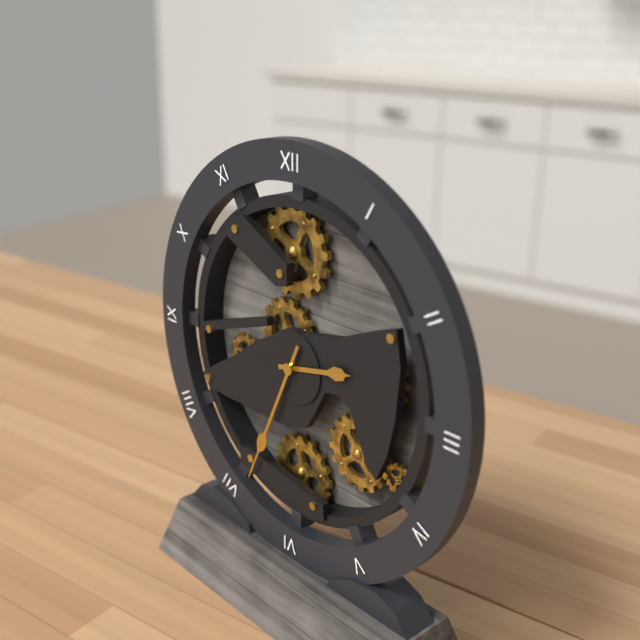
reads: 2,34
